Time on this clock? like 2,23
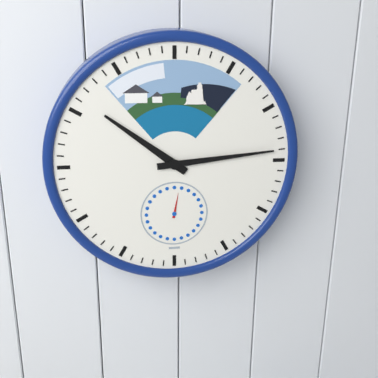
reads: 10,14
